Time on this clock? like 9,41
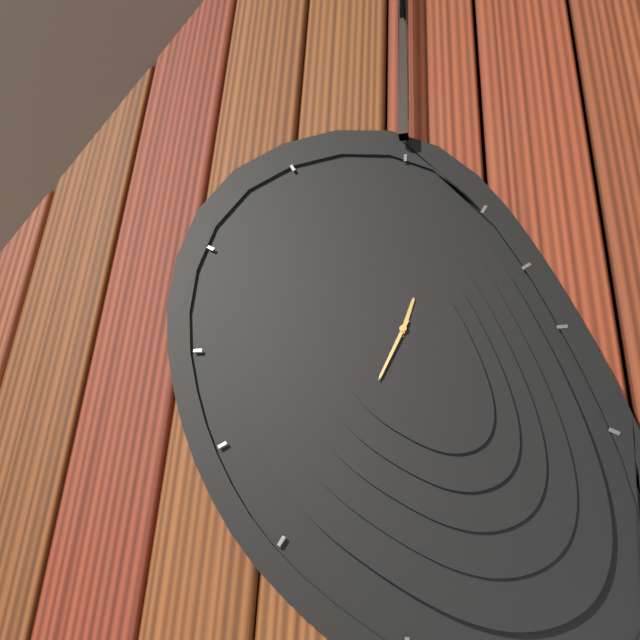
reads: 12,34
